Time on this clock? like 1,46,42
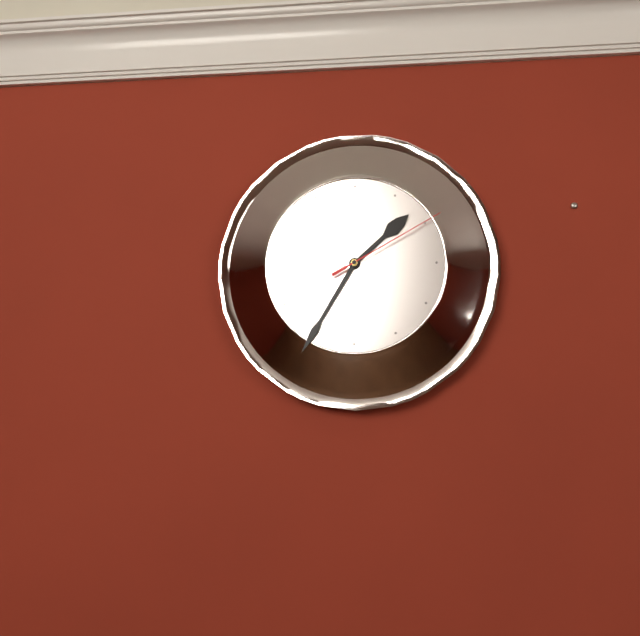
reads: 1,35,10
